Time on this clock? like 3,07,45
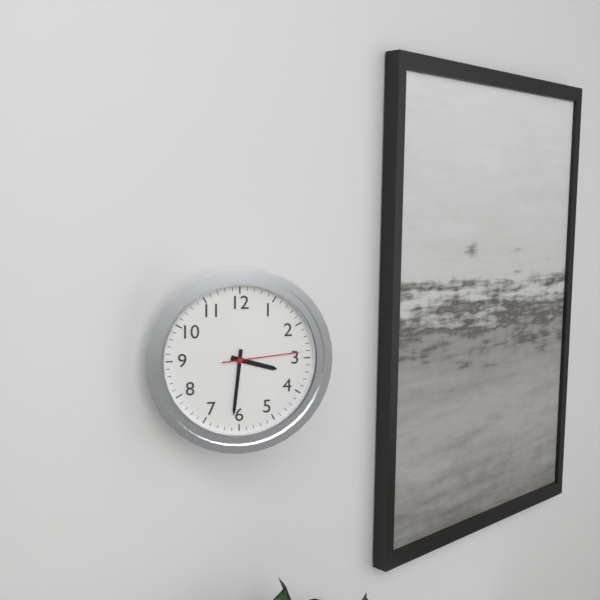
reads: 3,31,14
